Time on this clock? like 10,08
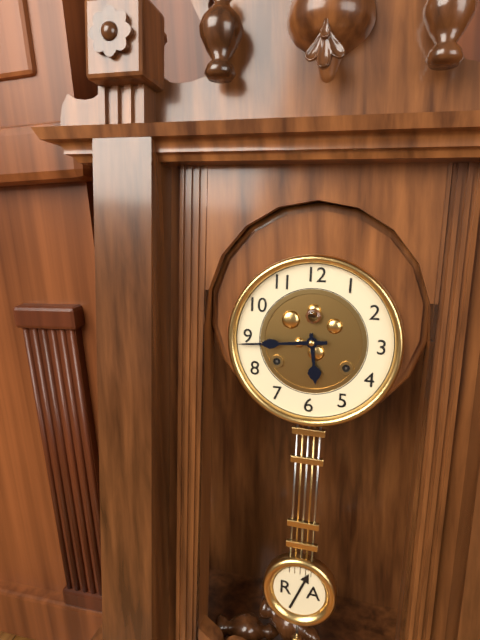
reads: 5,44
